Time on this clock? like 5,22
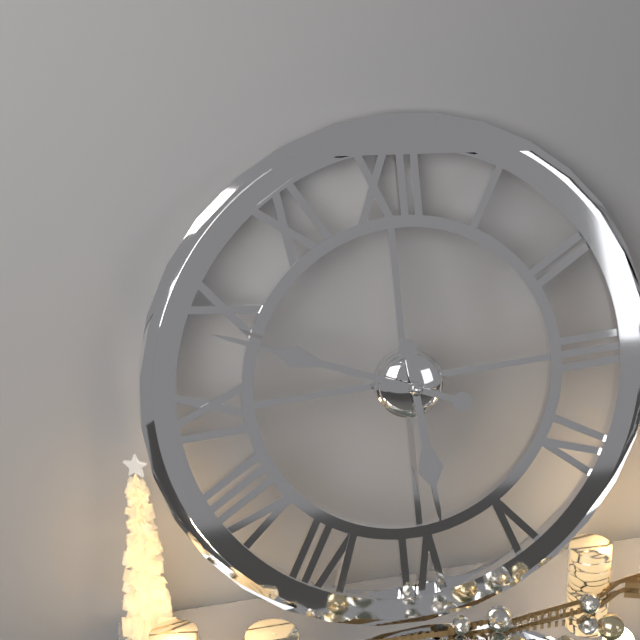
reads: 5,49
